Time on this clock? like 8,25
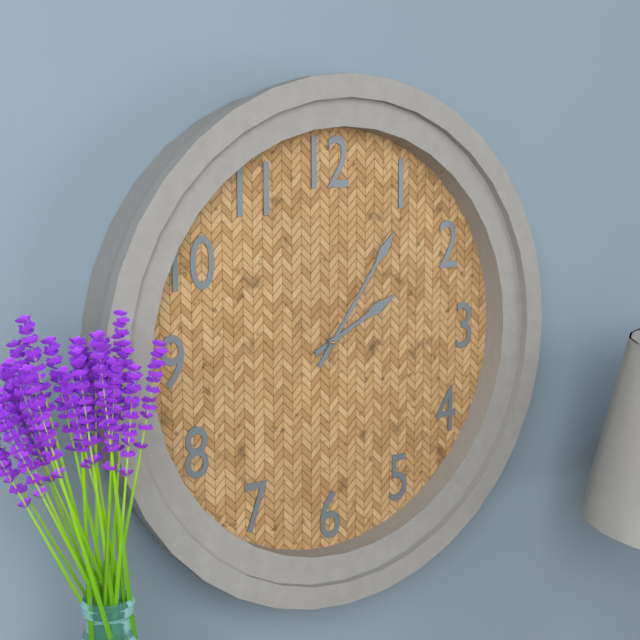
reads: 2,06
